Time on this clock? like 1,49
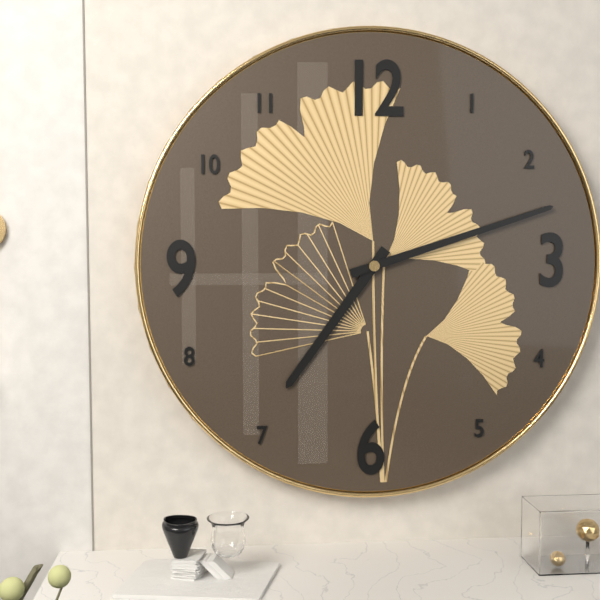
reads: 7,12
